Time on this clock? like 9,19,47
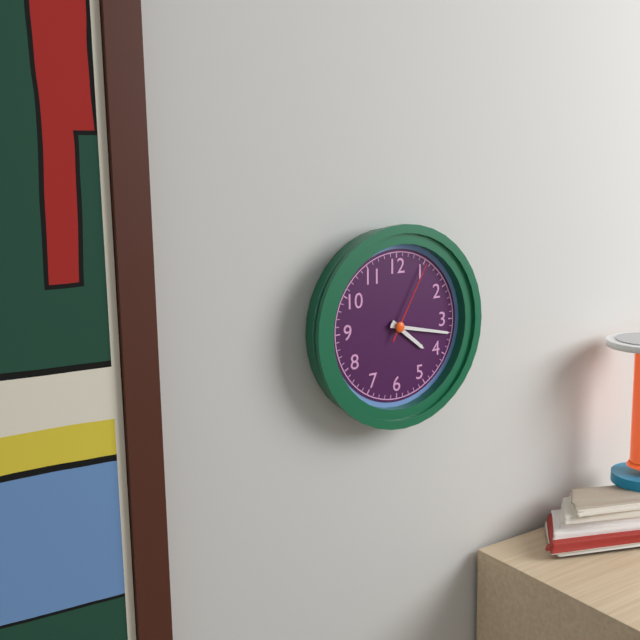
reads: 4,17,05
